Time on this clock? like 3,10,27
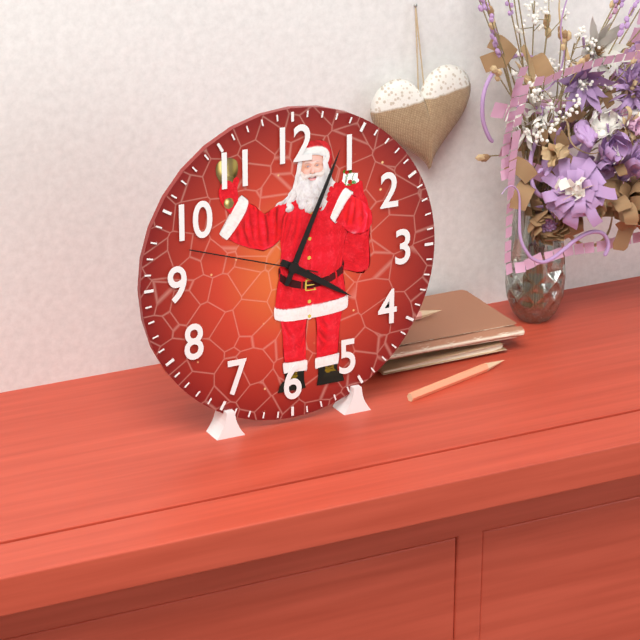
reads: 4,04,48
